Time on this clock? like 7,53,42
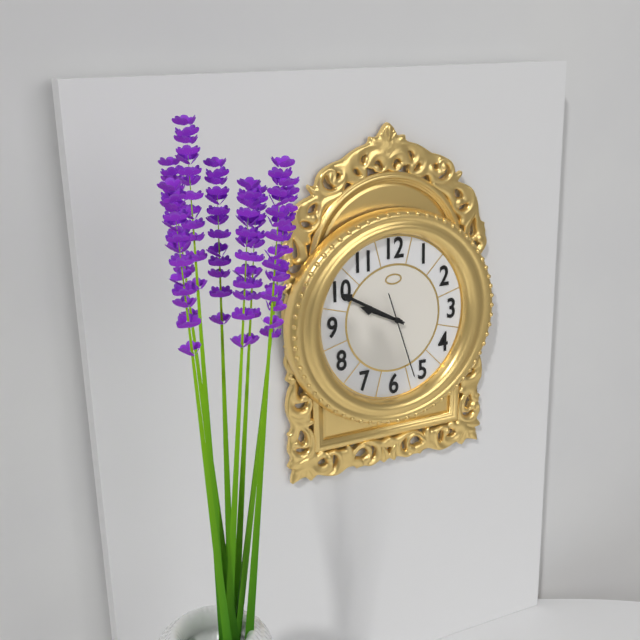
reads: 9,50,27
